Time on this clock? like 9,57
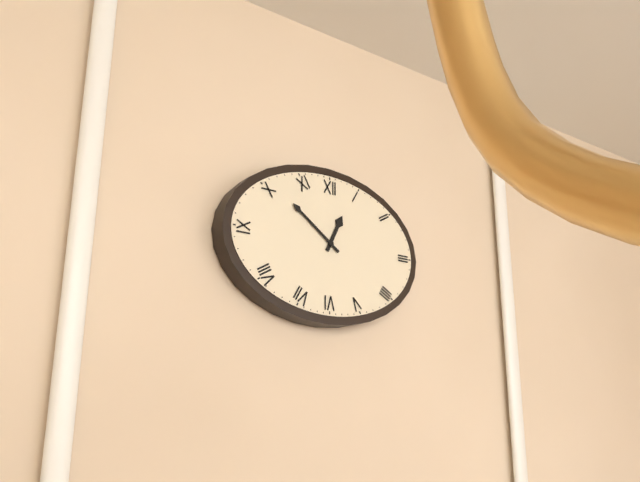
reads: 12,51
